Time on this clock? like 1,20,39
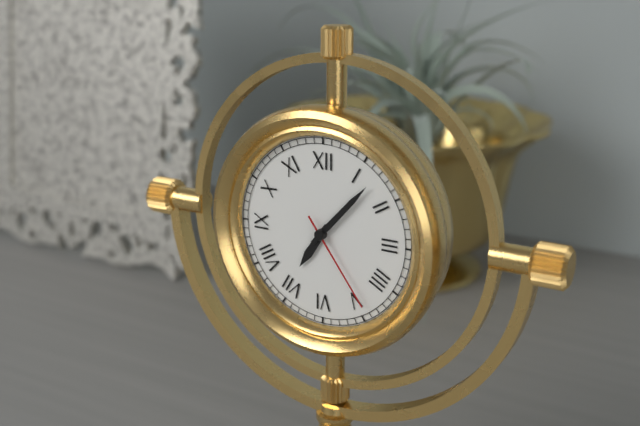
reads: 7,07,24
